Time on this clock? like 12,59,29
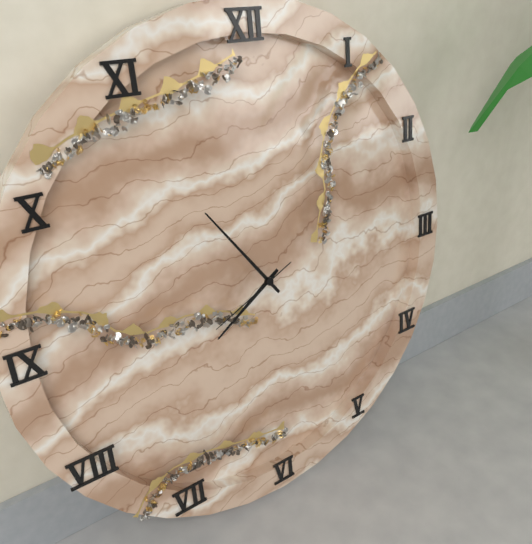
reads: 7,54,41
